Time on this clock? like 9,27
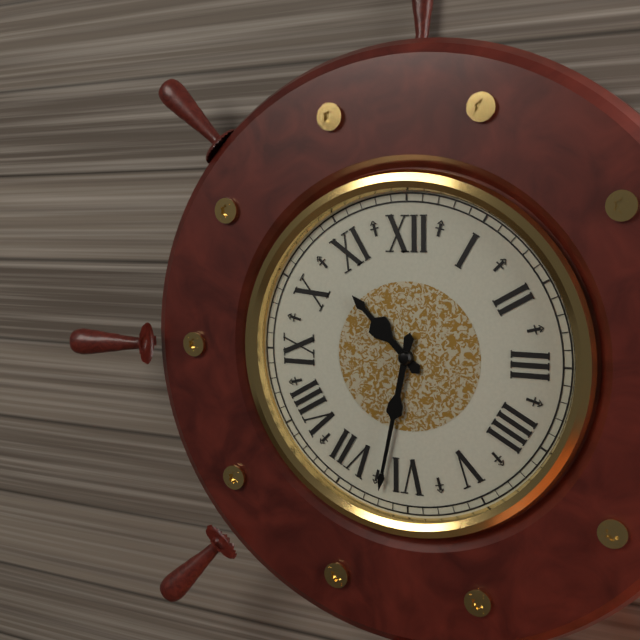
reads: 10,32
